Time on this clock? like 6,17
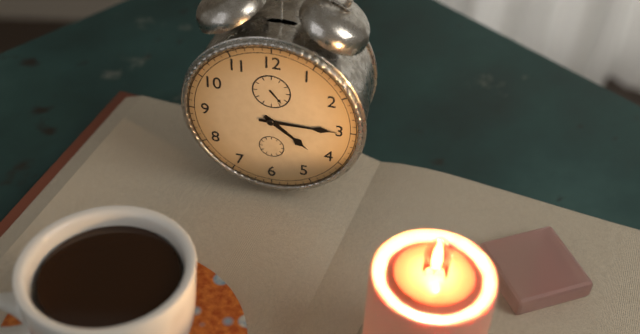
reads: 4,15
